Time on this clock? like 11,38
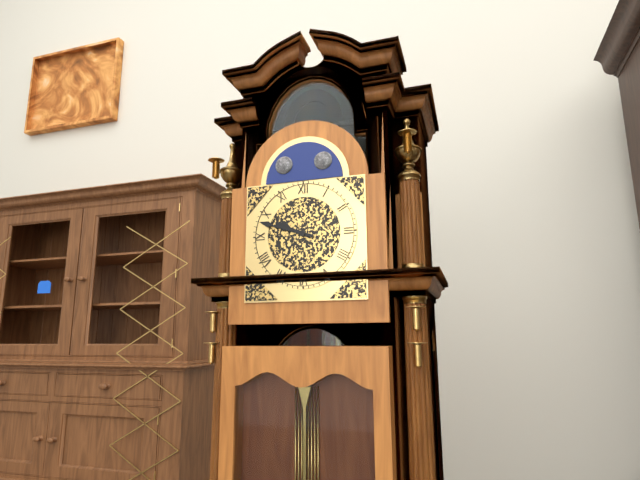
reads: 9,48
